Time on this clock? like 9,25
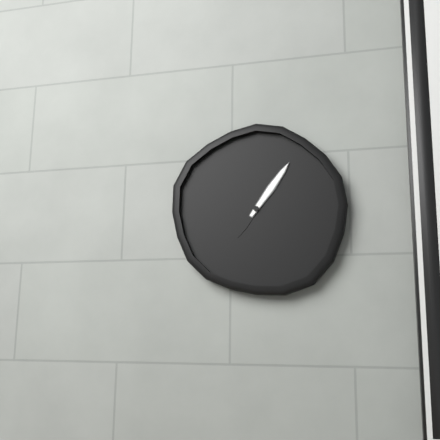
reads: 7,06
